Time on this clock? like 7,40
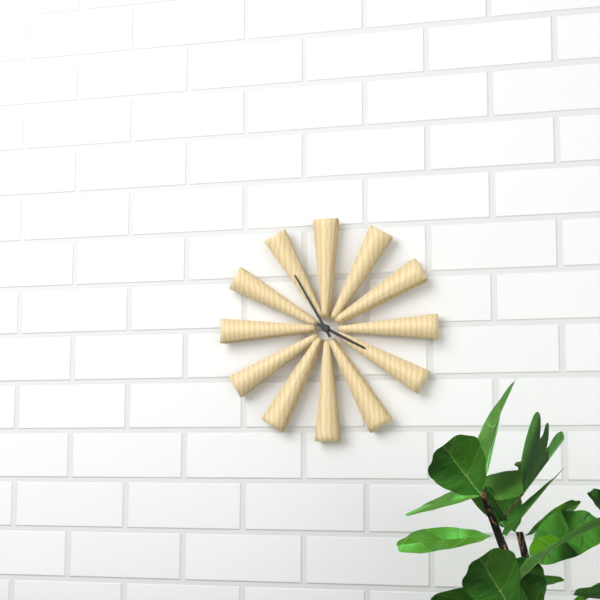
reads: 3,55
